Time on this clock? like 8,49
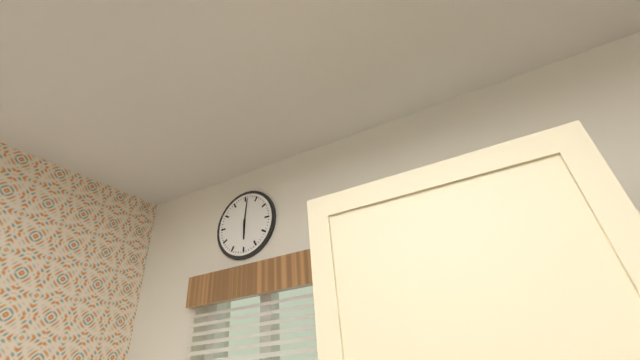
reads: 6,01
